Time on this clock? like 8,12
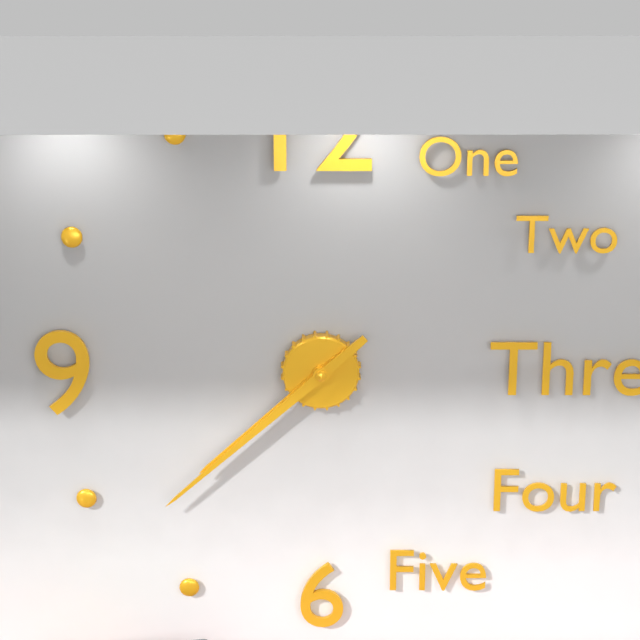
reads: 7,38
